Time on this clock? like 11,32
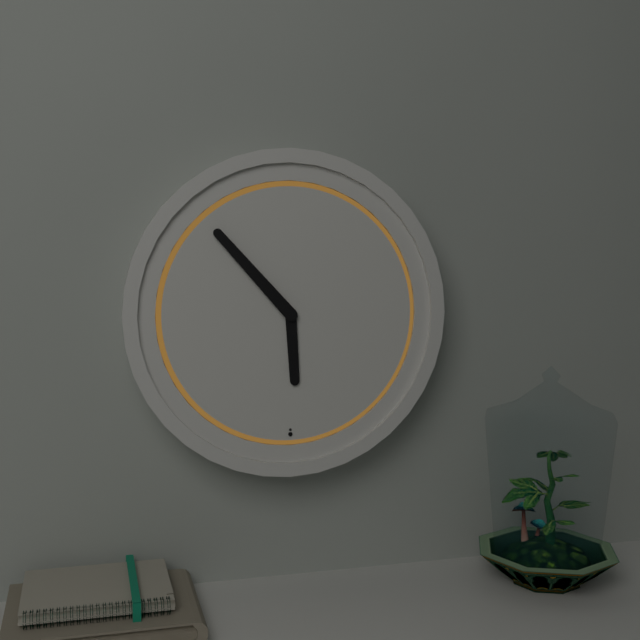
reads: 5,53
